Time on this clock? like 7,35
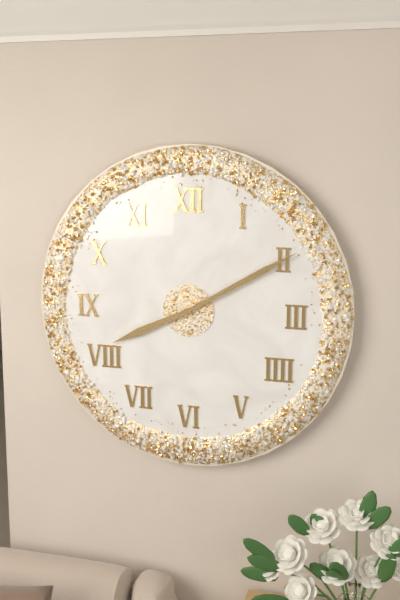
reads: 8,10
